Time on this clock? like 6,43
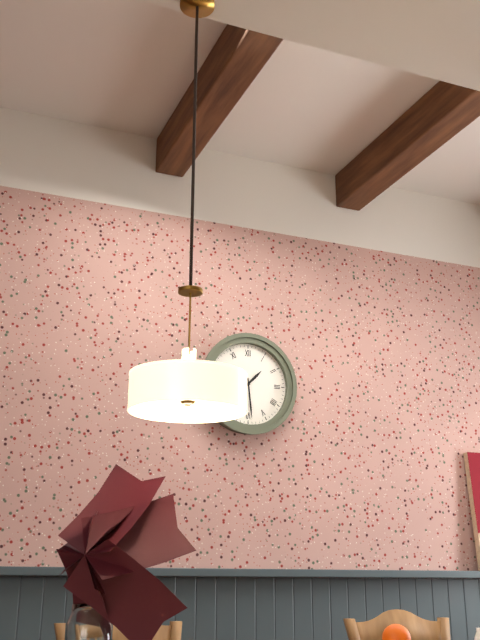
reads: 1,29
